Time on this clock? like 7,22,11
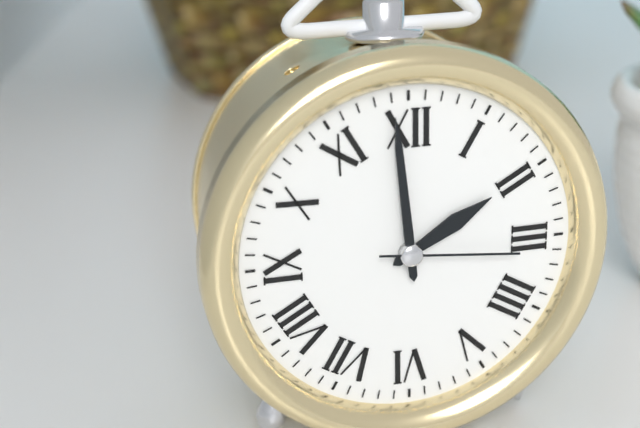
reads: 1,59,16
